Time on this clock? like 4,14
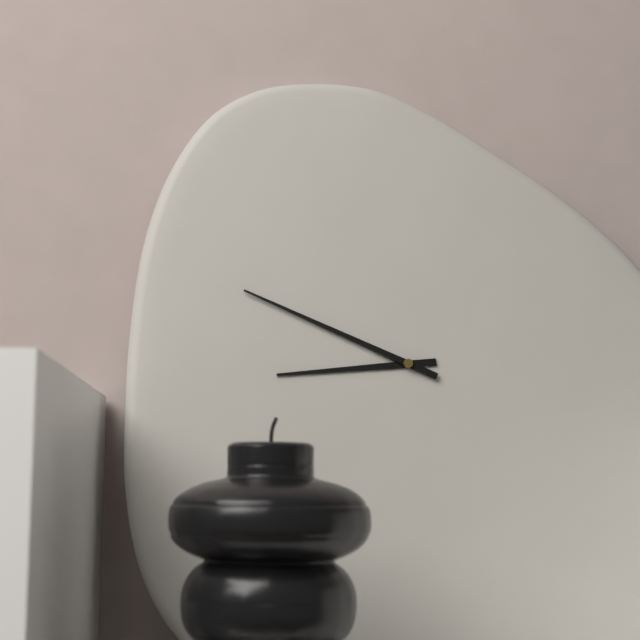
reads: 8,49
